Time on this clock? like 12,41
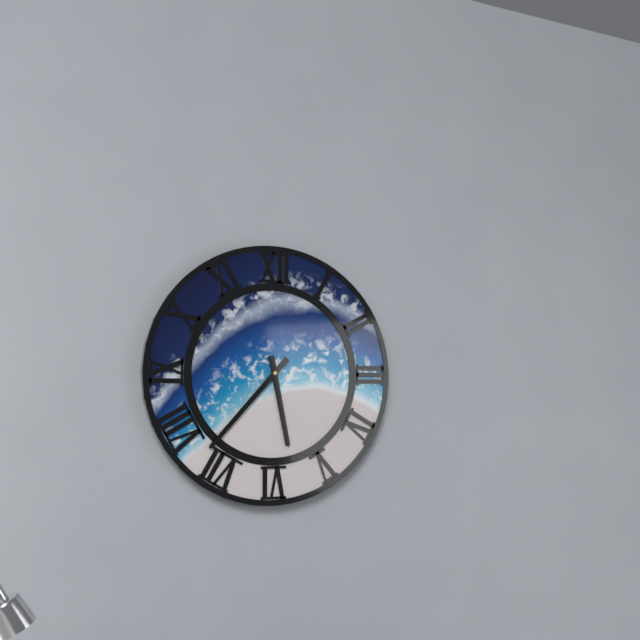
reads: 5,37
